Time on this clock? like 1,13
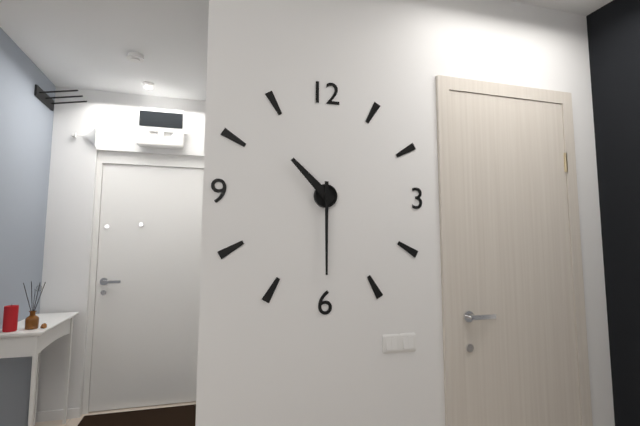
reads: 10,30
